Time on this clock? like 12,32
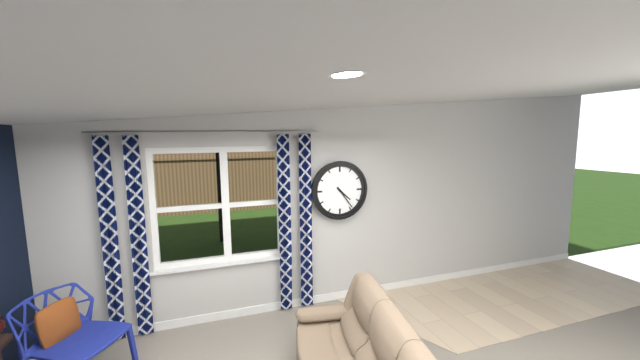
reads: 4,24
